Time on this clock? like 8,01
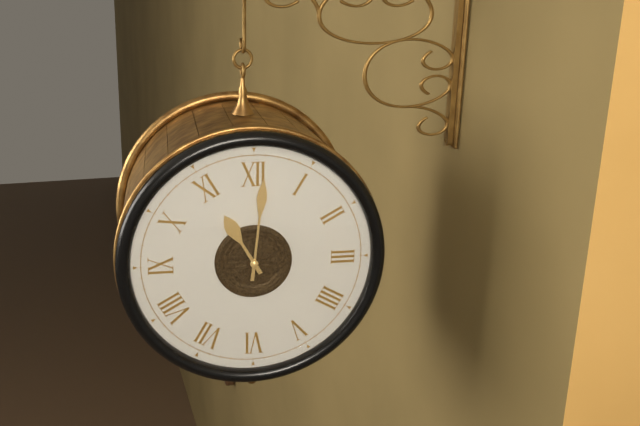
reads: 11,01
